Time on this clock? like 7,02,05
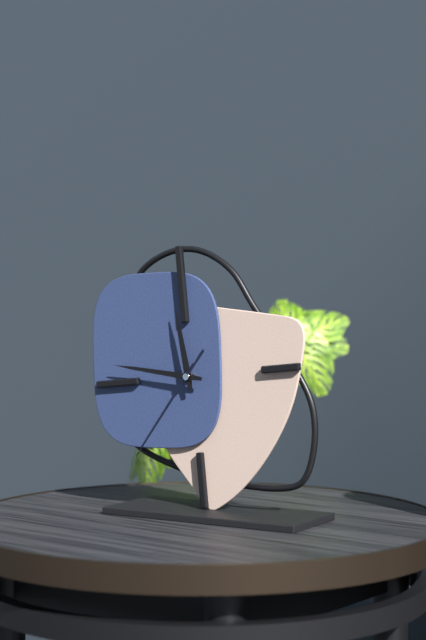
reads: 11,47,37
